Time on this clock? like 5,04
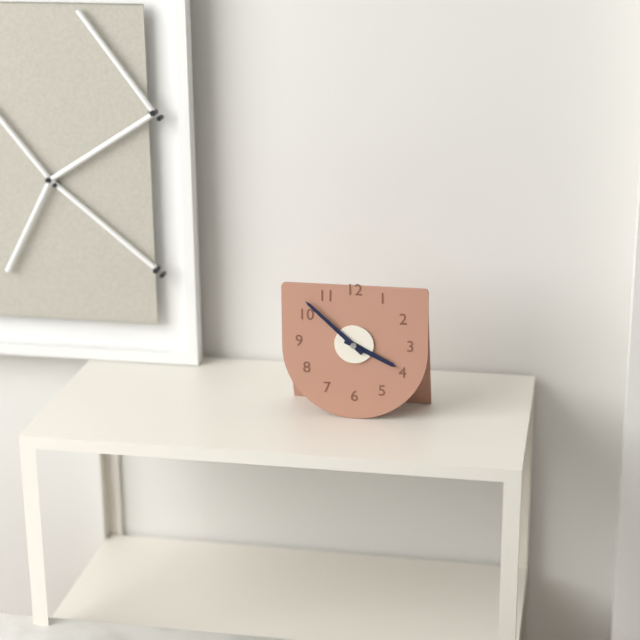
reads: 3,52
